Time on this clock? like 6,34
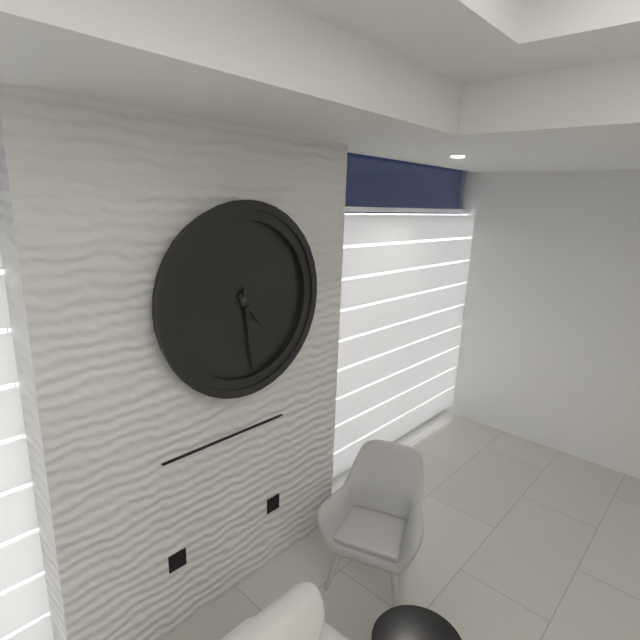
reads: 4,29
